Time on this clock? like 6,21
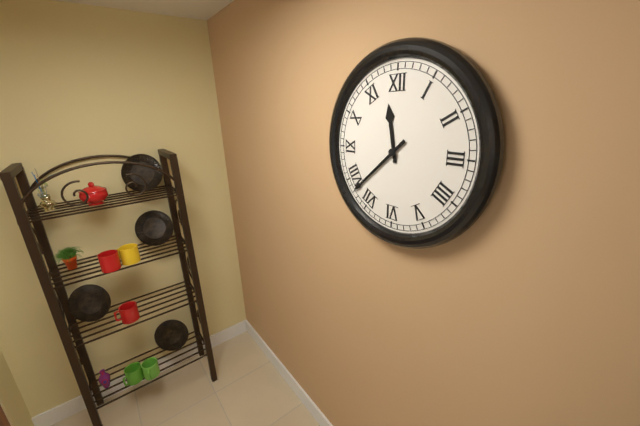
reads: 11,38
